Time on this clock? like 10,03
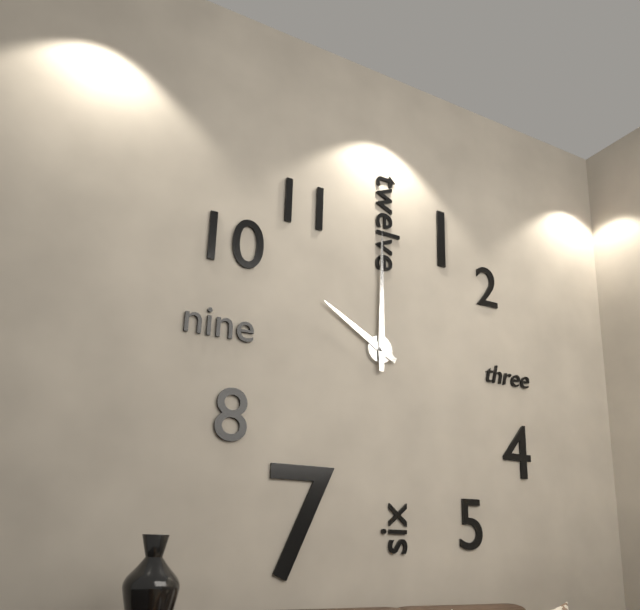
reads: 10,00
